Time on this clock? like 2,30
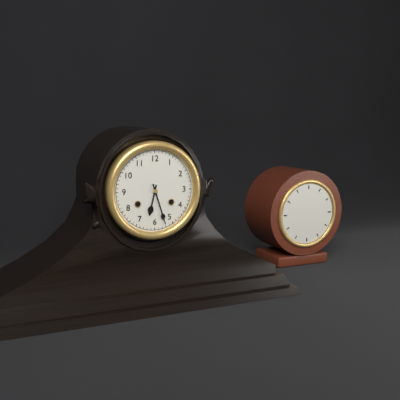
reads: 6,27
